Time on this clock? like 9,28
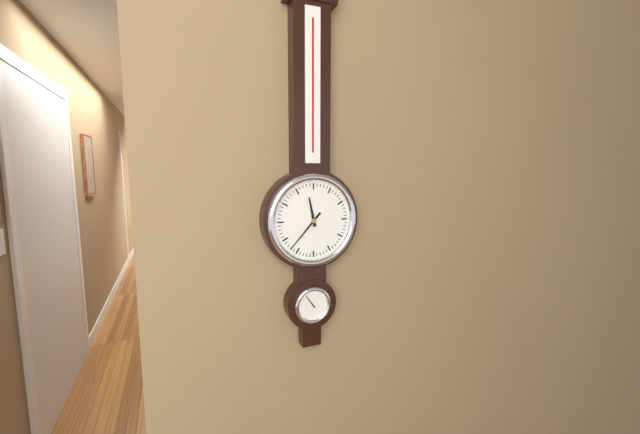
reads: 11,37
